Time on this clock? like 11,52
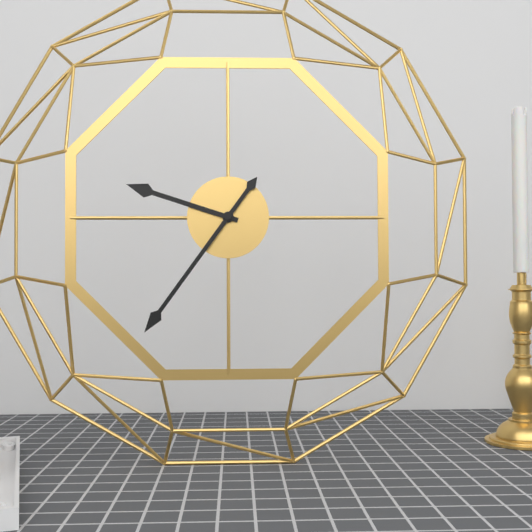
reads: 9,36
